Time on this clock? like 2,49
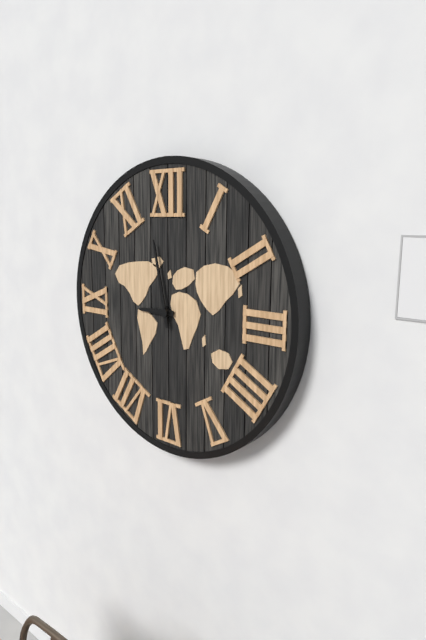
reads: 8,58
